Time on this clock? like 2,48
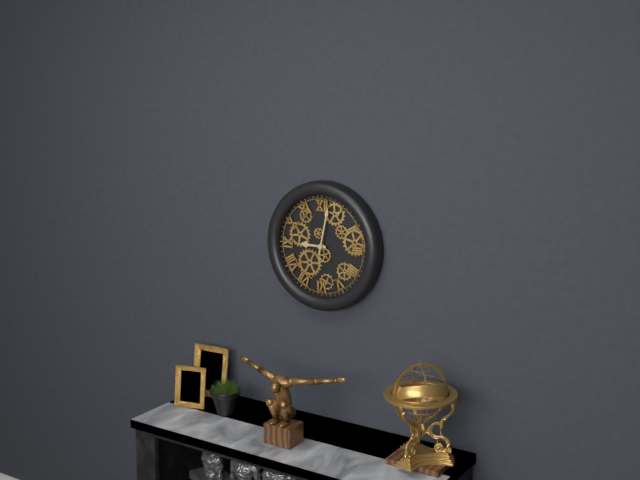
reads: 9,02
